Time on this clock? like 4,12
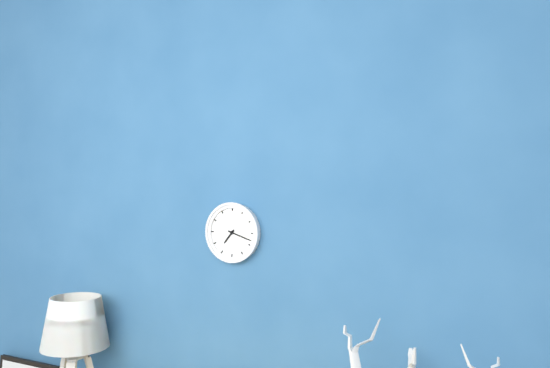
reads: 7,18
